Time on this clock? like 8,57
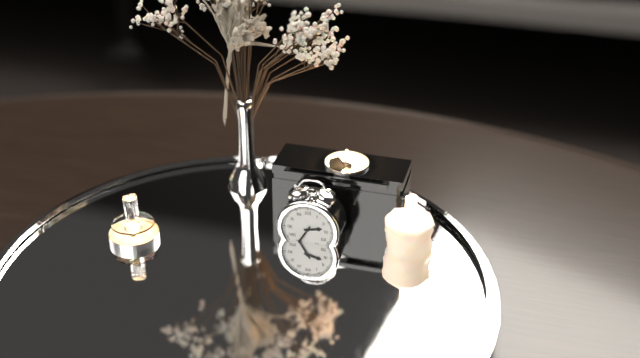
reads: 2,35
